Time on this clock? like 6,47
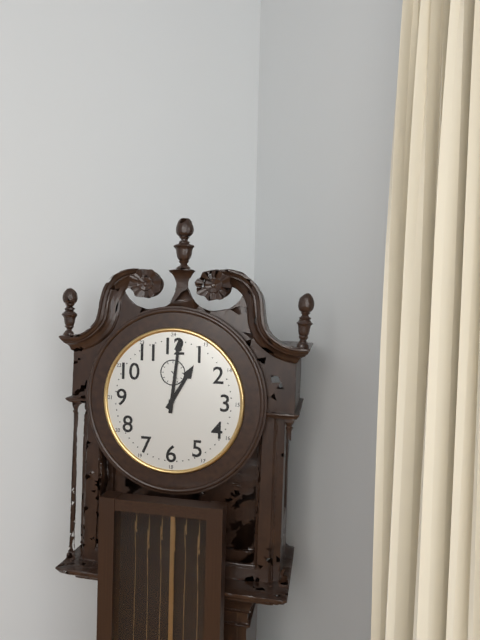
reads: 1,01
